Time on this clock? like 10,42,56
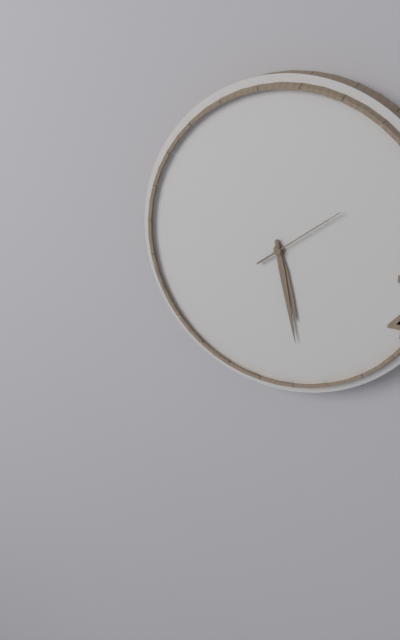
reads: 5,28,09
